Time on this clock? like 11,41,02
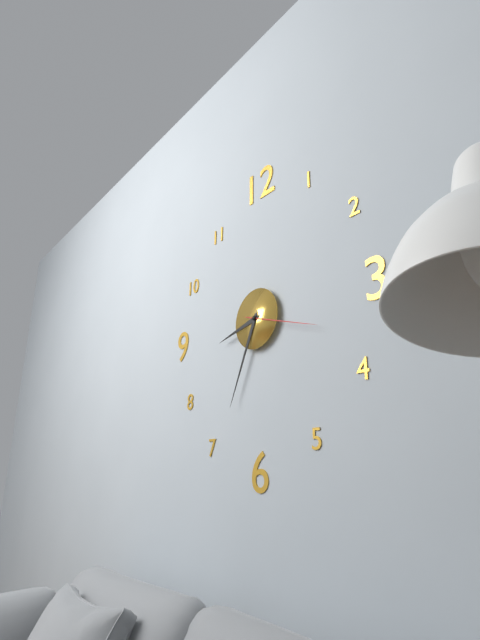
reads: 8,34,18
